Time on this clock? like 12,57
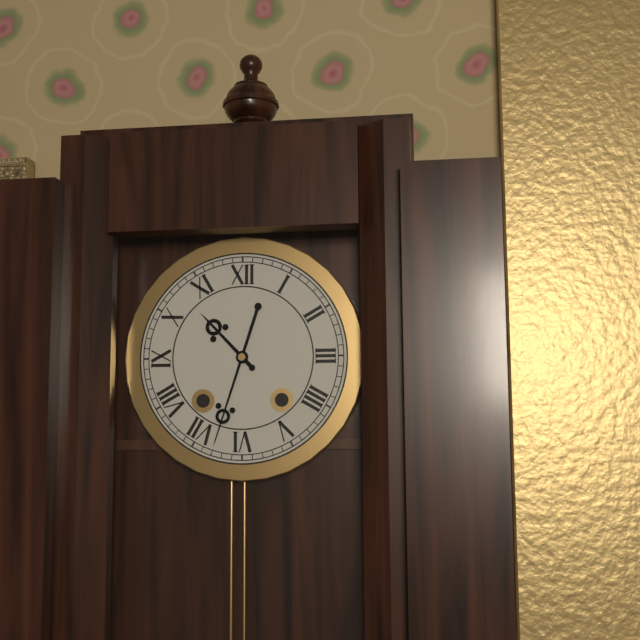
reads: 10,33
